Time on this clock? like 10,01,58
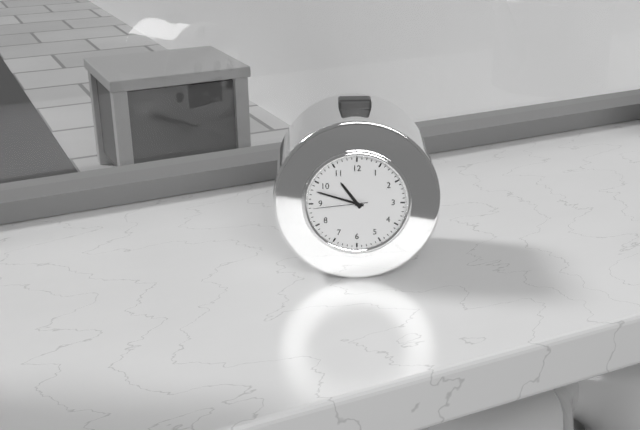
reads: 10,48,44
